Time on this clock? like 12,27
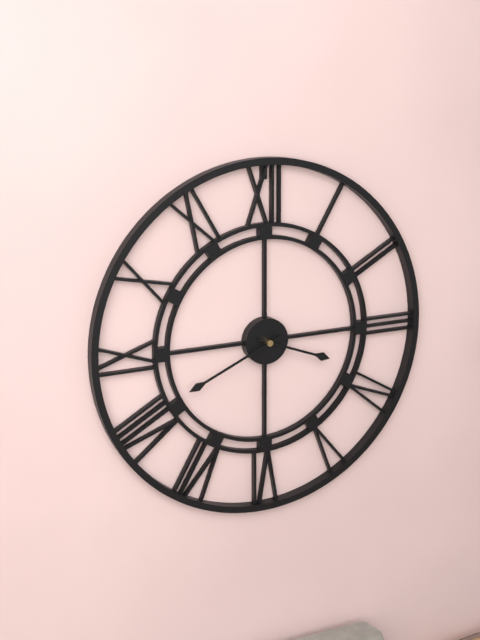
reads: 3,41
